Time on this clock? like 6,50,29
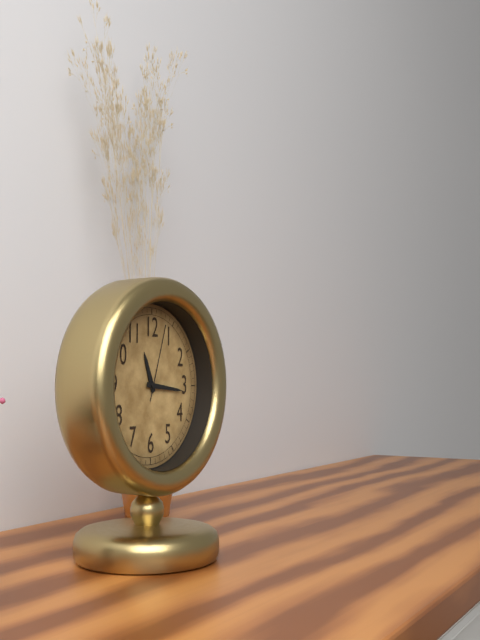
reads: 11,16,03
